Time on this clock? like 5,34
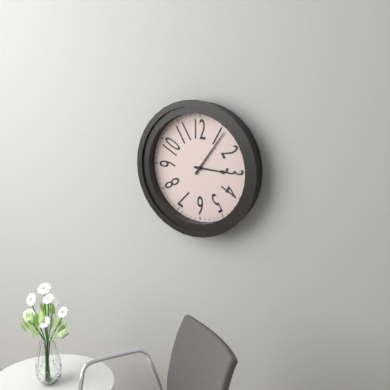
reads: 3,06
